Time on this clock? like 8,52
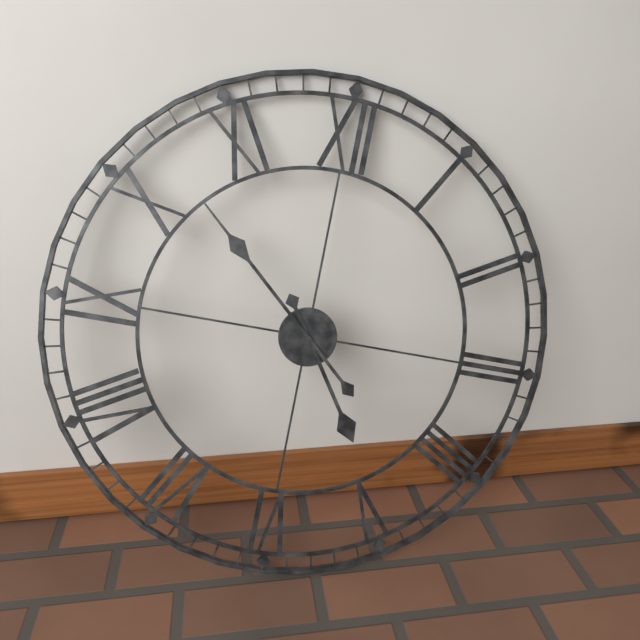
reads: 4,52
